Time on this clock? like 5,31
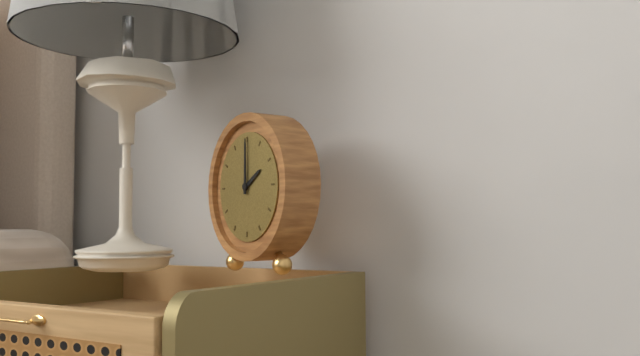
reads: 2,00
